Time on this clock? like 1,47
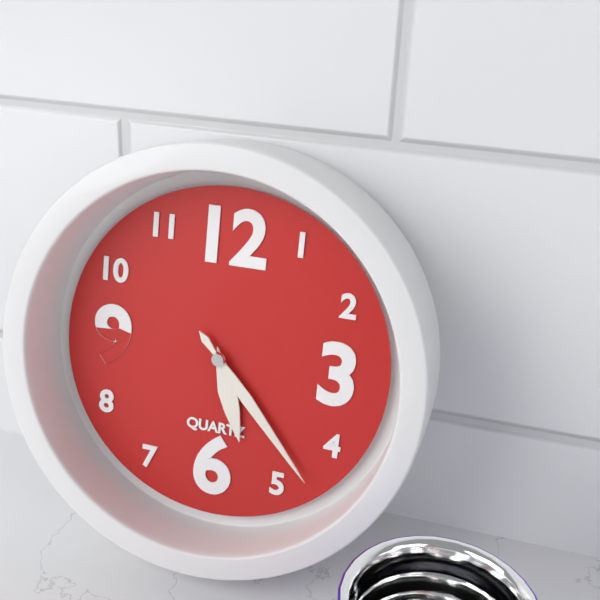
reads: 5,23
